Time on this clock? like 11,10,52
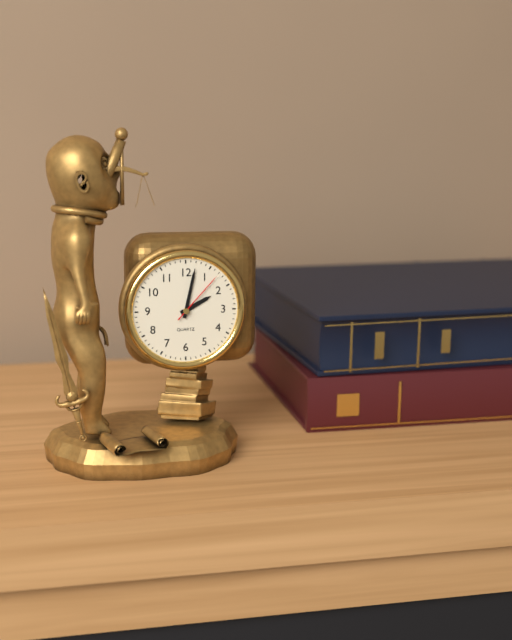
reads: 2,02,07
